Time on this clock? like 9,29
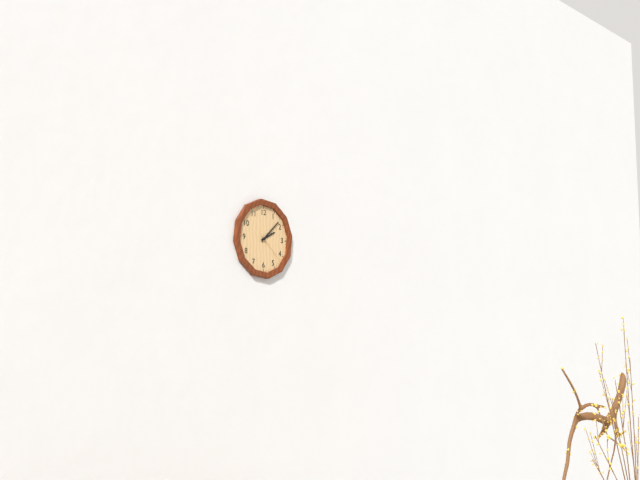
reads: 2,08
